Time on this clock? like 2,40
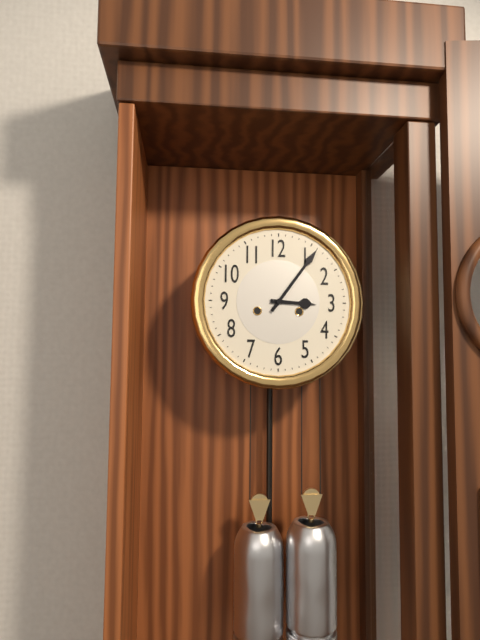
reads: 3,06
